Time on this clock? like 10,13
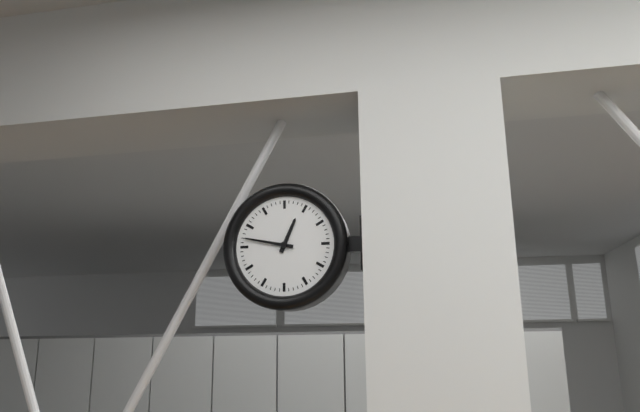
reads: 12,47
